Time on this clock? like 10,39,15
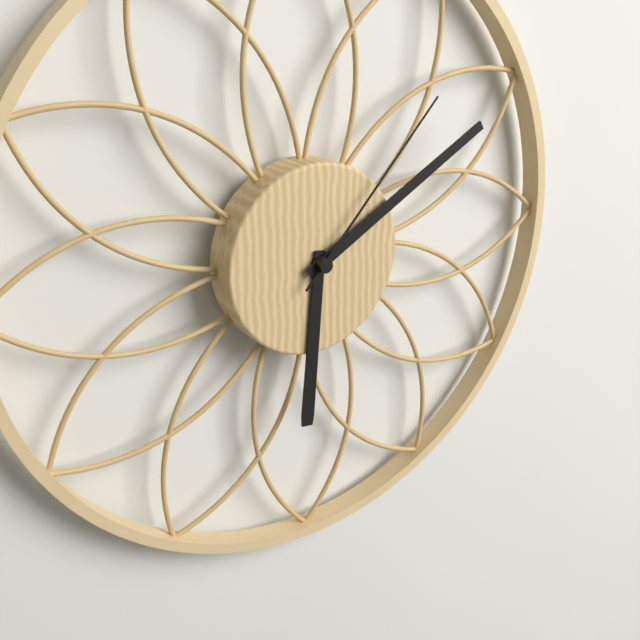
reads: 6,10,07
